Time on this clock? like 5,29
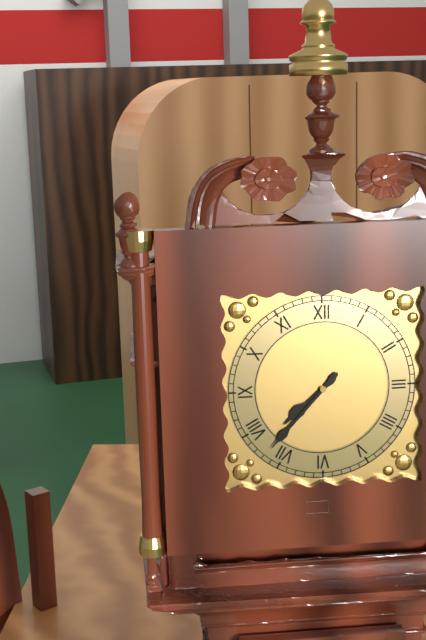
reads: 7,37
